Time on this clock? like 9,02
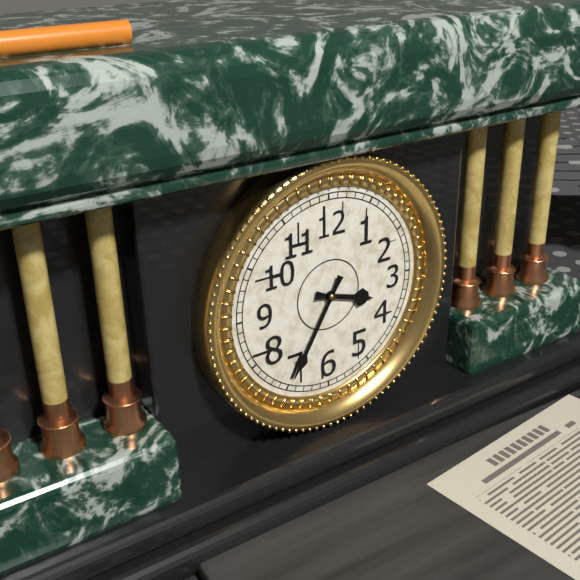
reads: 3,35
